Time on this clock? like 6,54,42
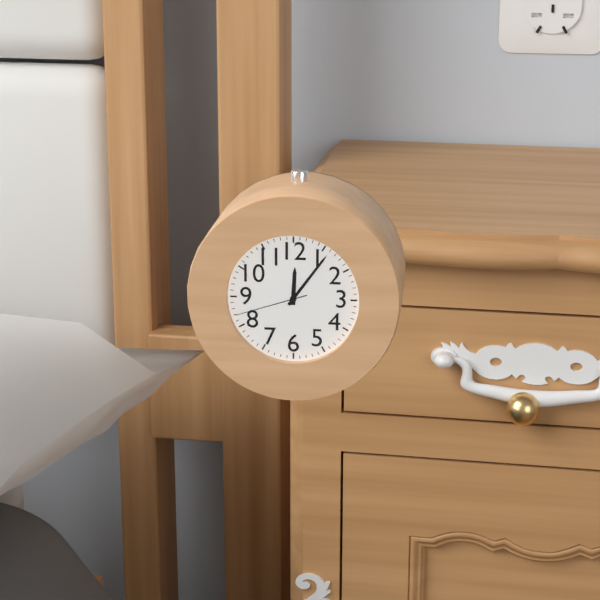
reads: 12,06,42
